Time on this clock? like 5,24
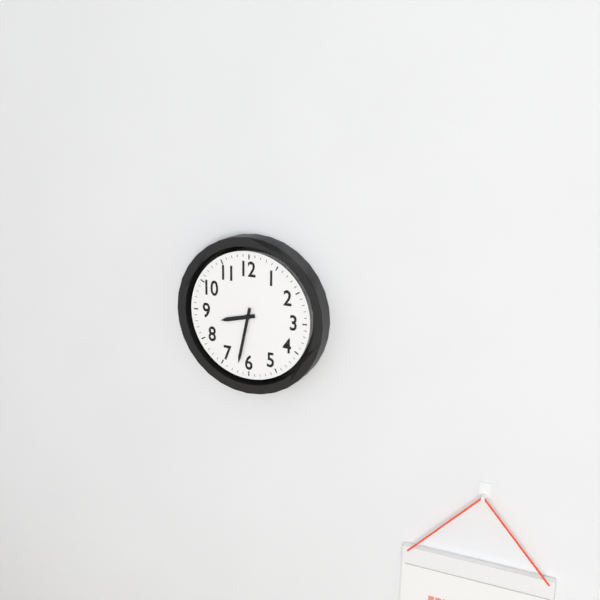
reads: 8,32
